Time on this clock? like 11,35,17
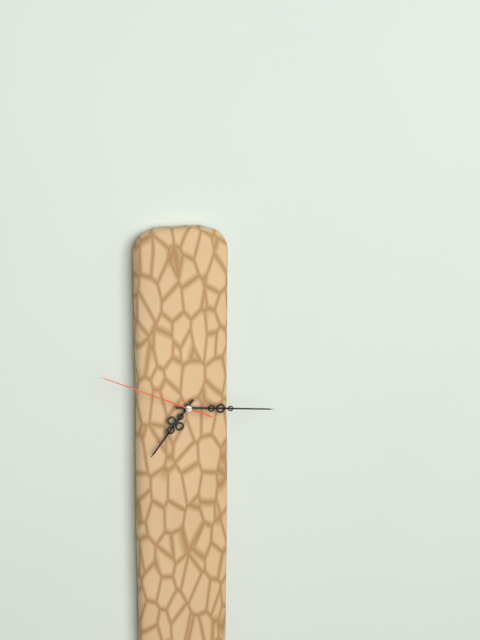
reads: 7,16,49
